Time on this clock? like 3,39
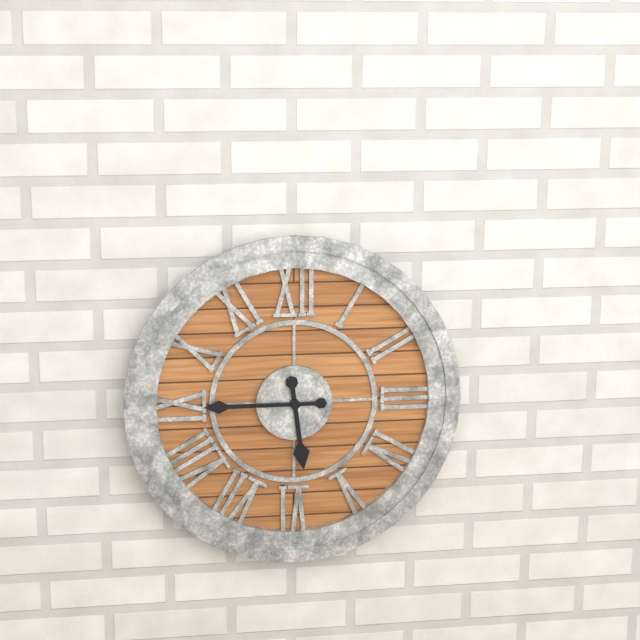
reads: 5,45
